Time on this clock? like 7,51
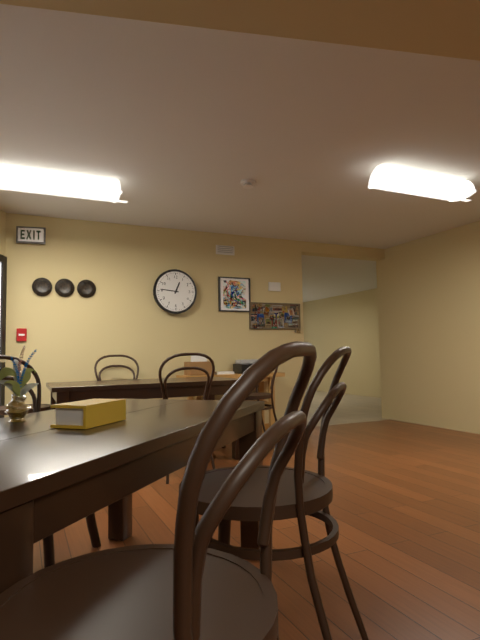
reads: 12,46
